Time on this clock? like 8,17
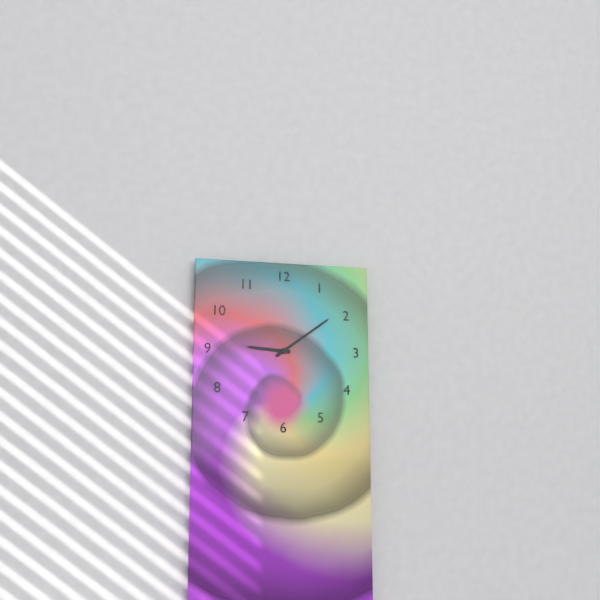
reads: 9,09
